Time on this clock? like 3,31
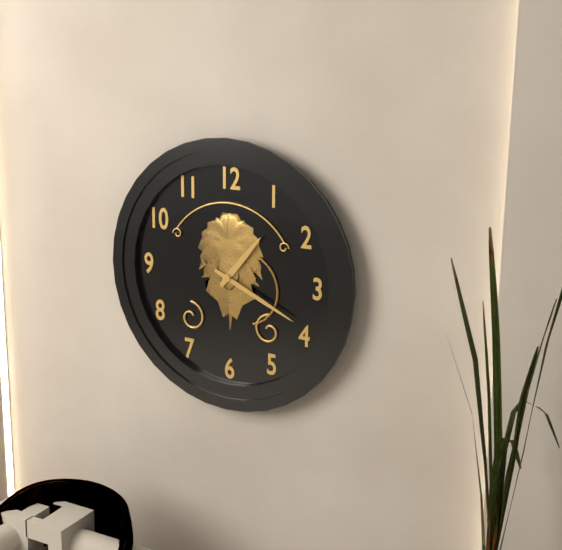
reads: 1,19
